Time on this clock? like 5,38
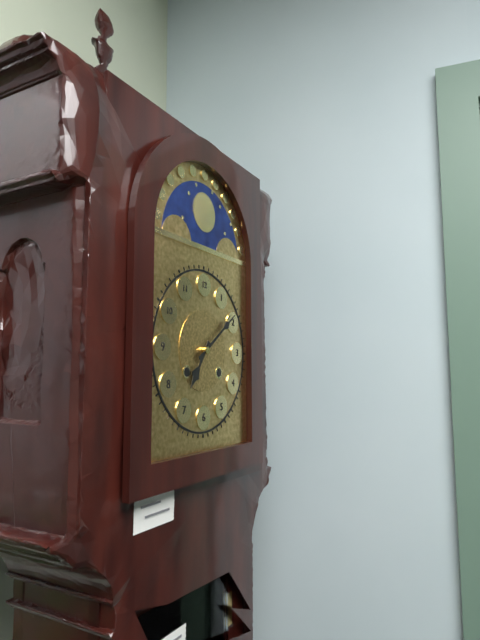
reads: 7,09
